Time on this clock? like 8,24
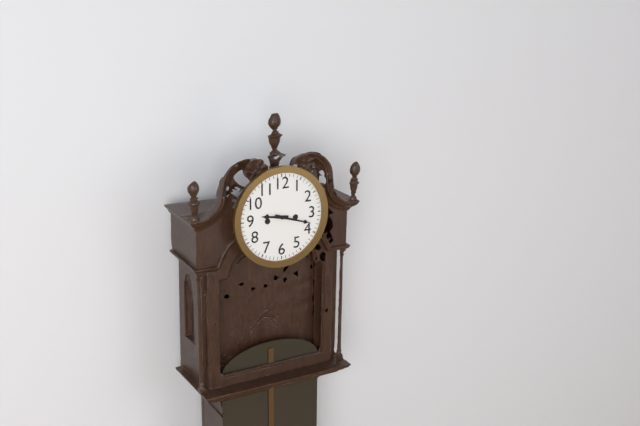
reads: 9,18
